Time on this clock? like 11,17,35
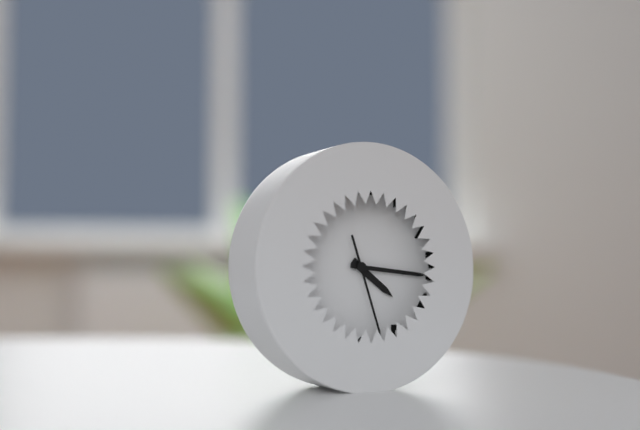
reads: 4,16,27
